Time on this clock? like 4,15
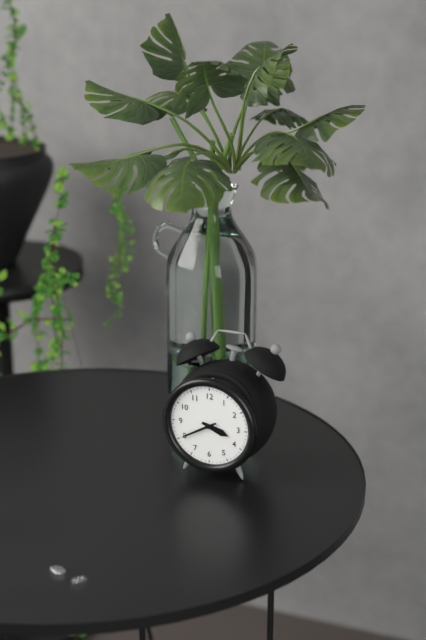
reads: 3,40
